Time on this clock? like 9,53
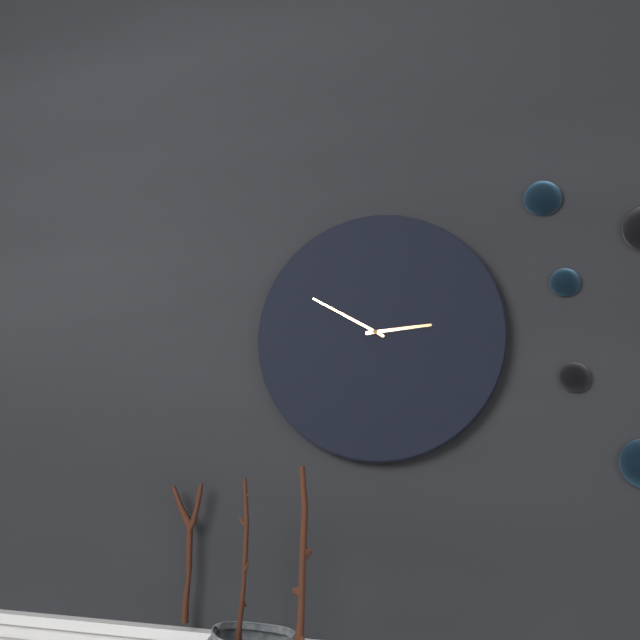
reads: 2,50
